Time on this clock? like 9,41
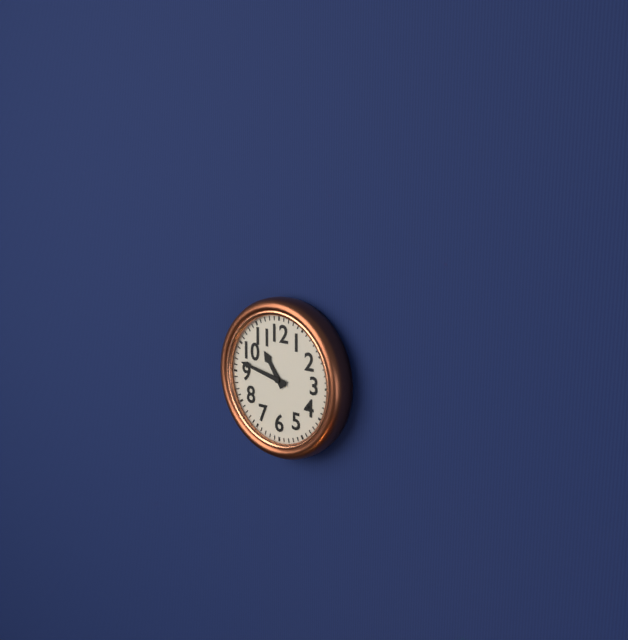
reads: 10,47
